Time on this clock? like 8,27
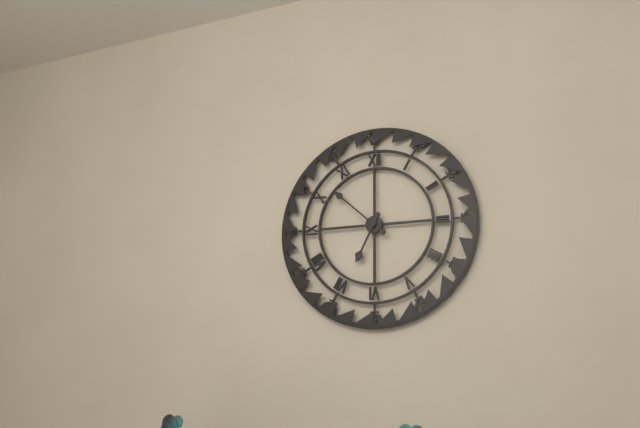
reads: 6,52
